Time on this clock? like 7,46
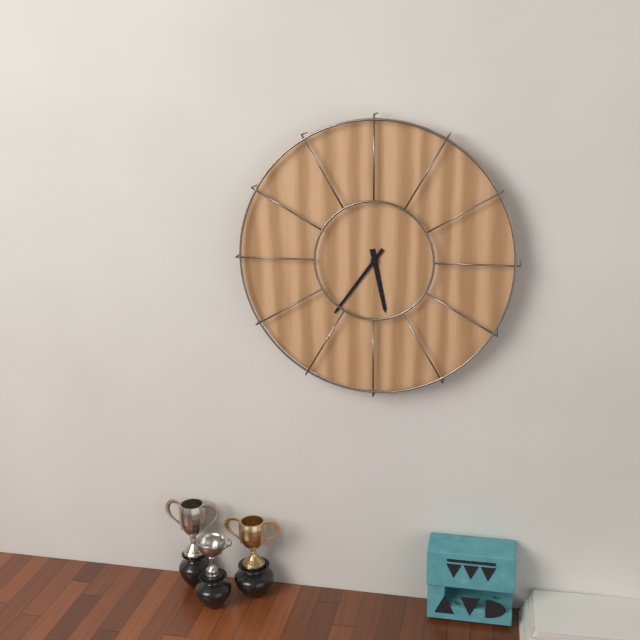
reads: 5,36
